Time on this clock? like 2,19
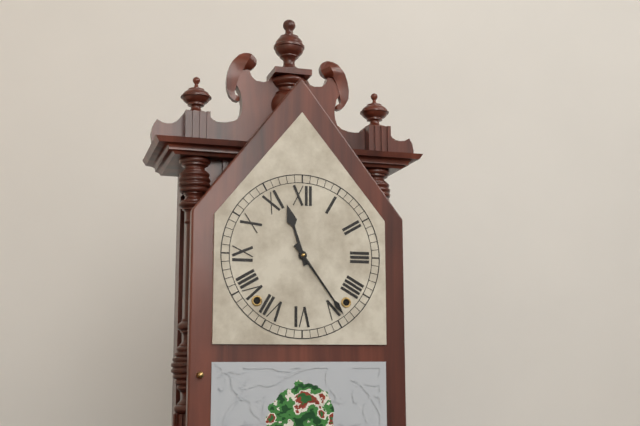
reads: 11,24
